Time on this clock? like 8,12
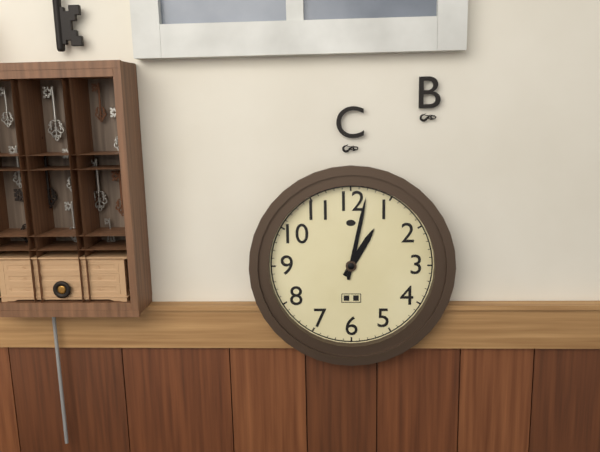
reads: 1,02
